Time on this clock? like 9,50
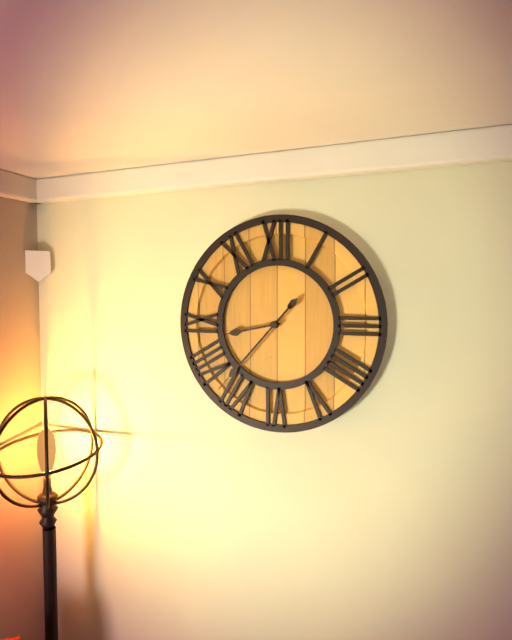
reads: 8,37
